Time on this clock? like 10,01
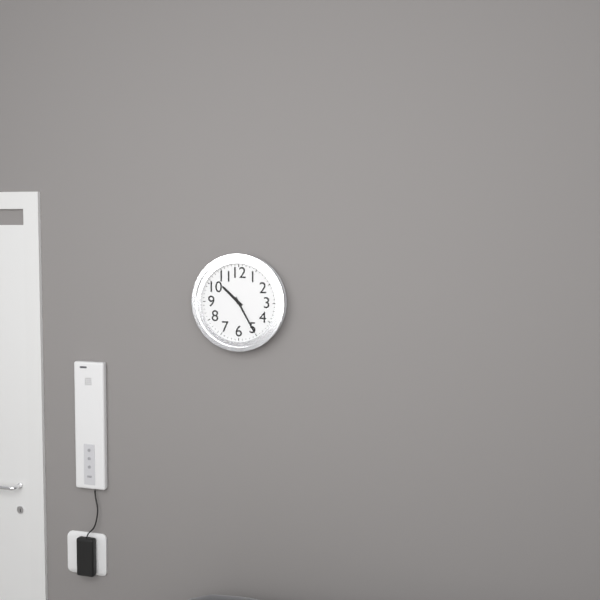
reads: 10,25
